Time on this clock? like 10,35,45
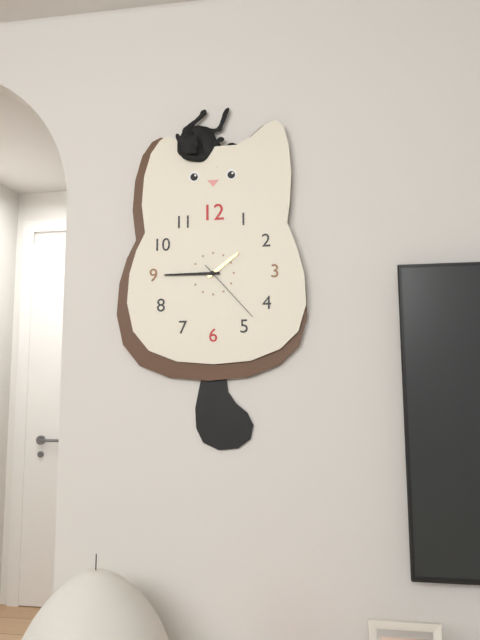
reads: 1,45,23
